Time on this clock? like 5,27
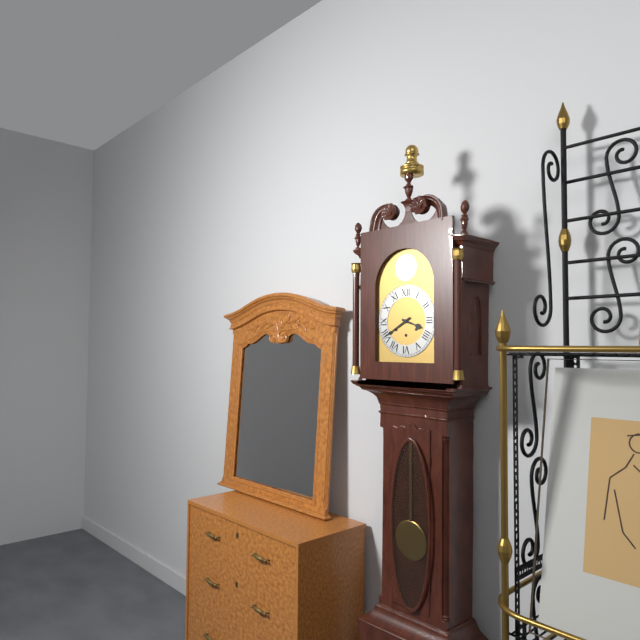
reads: 3,40
